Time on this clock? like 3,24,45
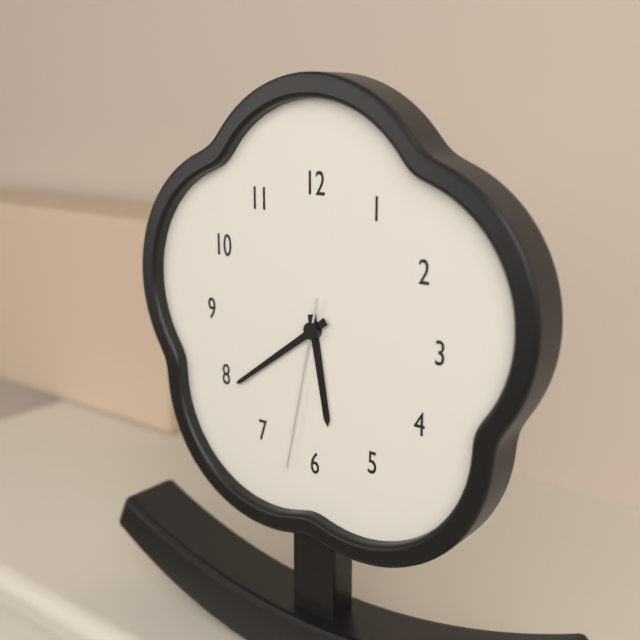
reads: 5,39,32
